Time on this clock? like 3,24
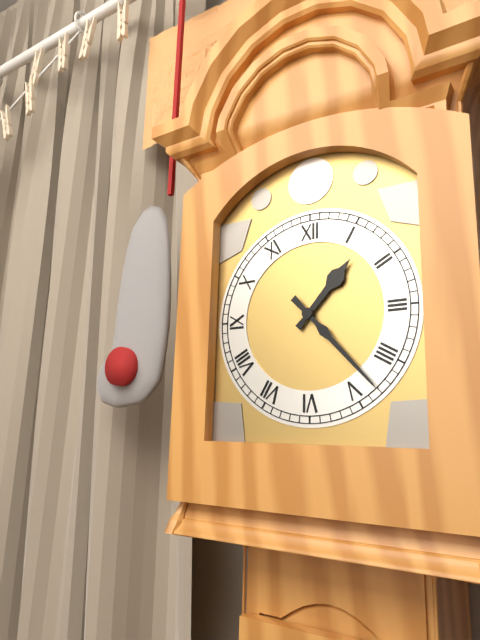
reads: 1,23
